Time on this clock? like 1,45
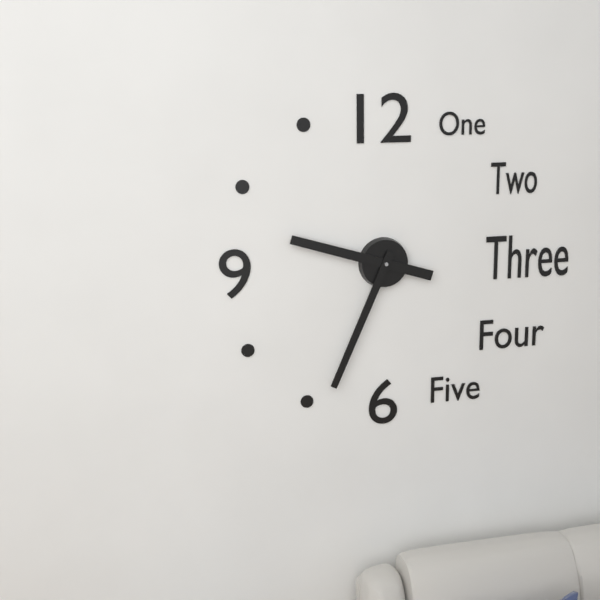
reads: 9,34
